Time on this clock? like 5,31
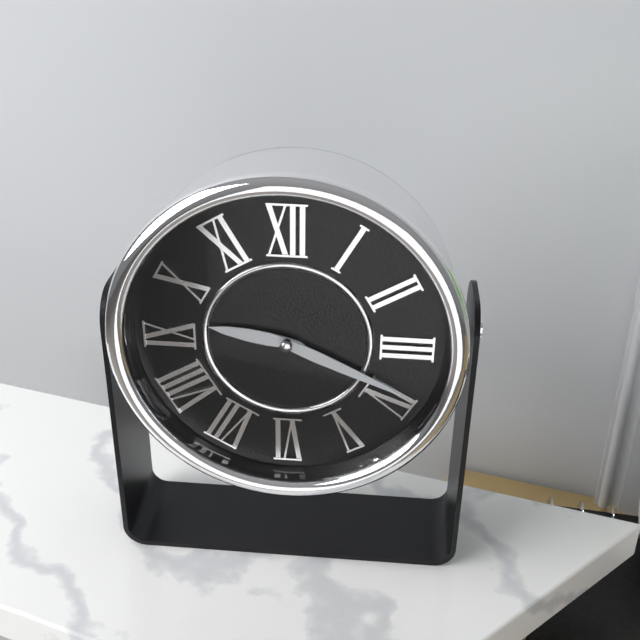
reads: 9,19
